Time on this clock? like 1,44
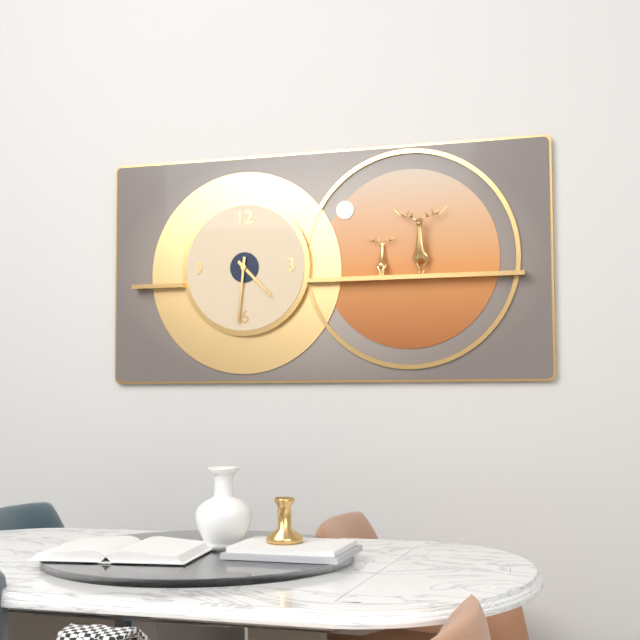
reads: 4,31
